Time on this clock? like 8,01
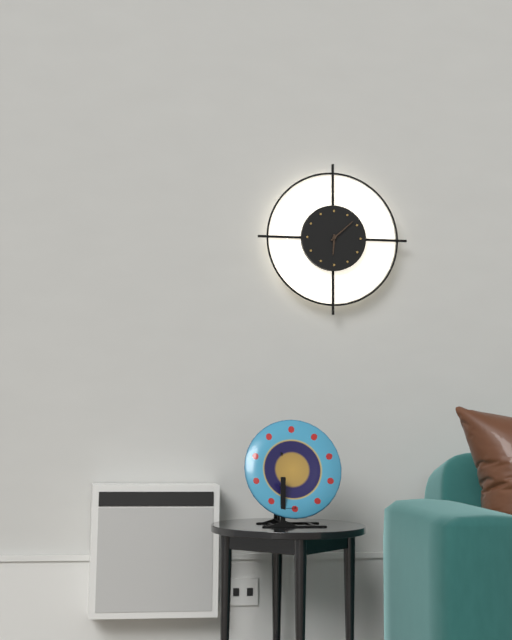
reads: 6,08
